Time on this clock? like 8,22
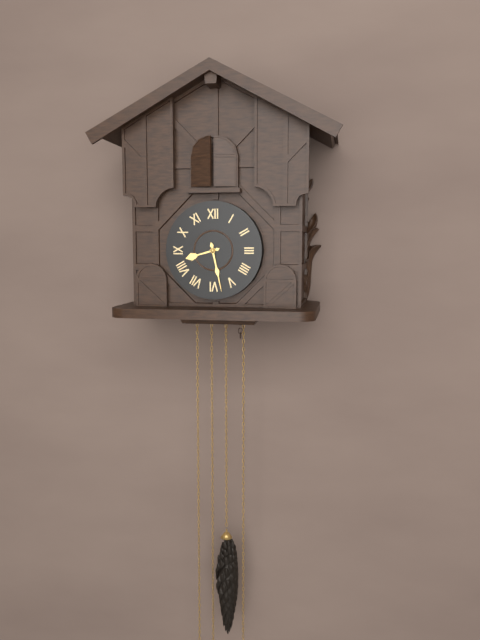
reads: 8,28
